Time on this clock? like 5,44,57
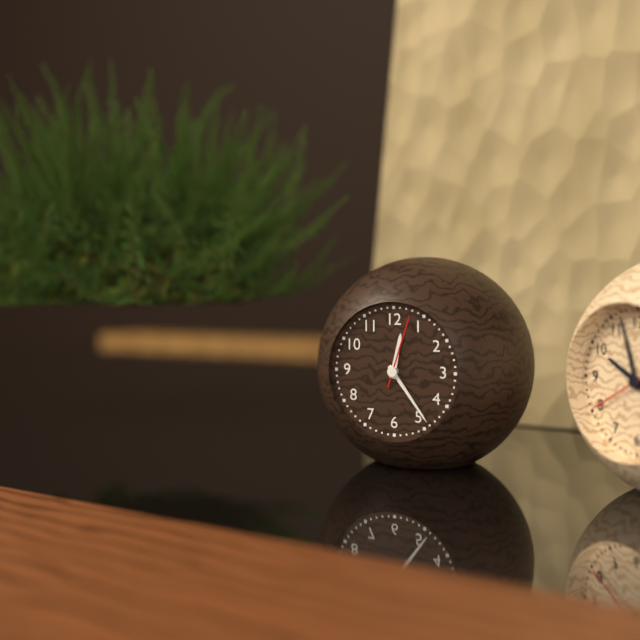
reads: 12,24,03
